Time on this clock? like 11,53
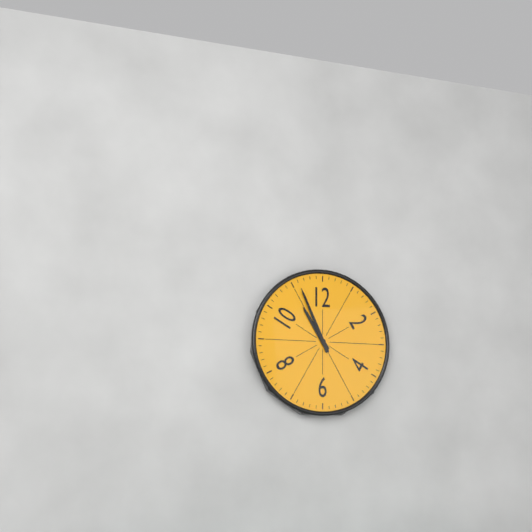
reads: 10,56
